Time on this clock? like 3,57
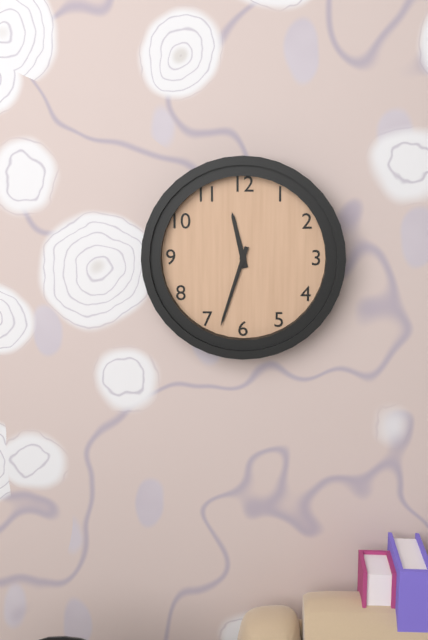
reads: 11,33
